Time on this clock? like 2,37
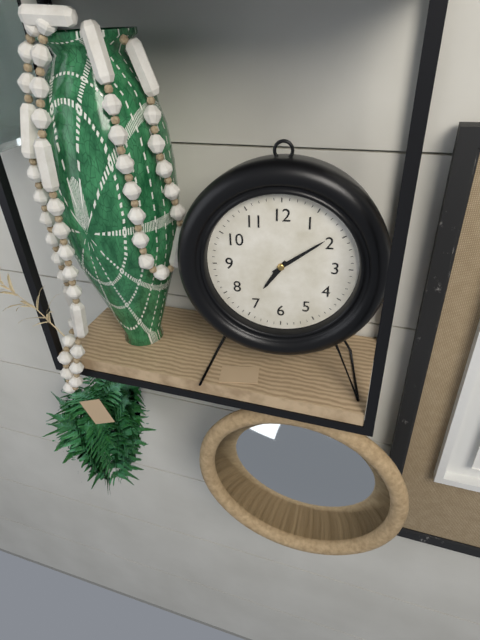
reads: 7,09
